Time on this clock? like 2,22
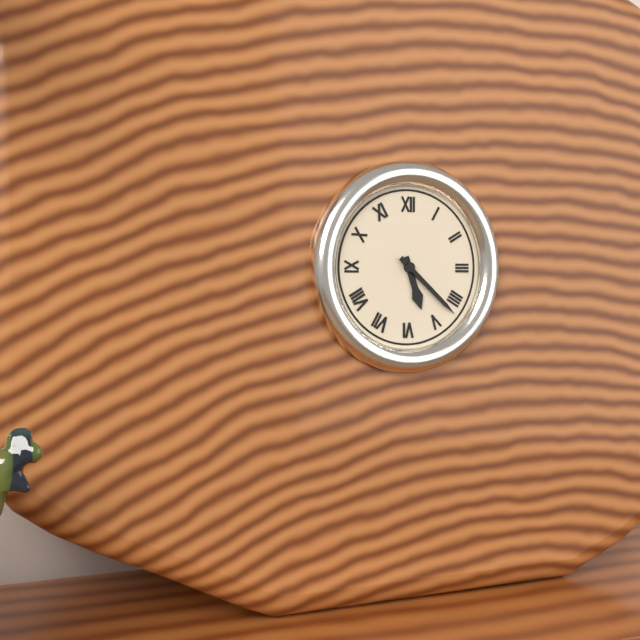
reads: 5,22
